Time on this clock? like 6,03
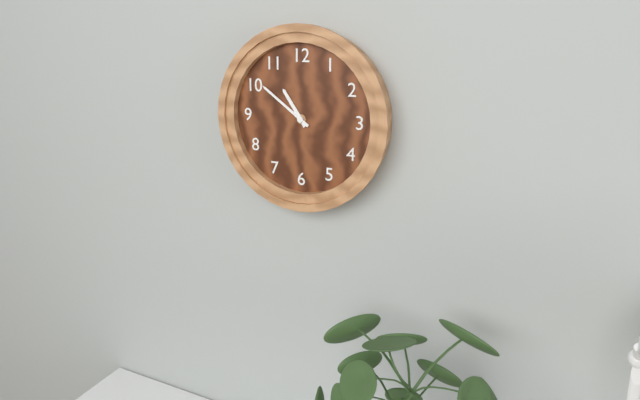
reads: 10,51
